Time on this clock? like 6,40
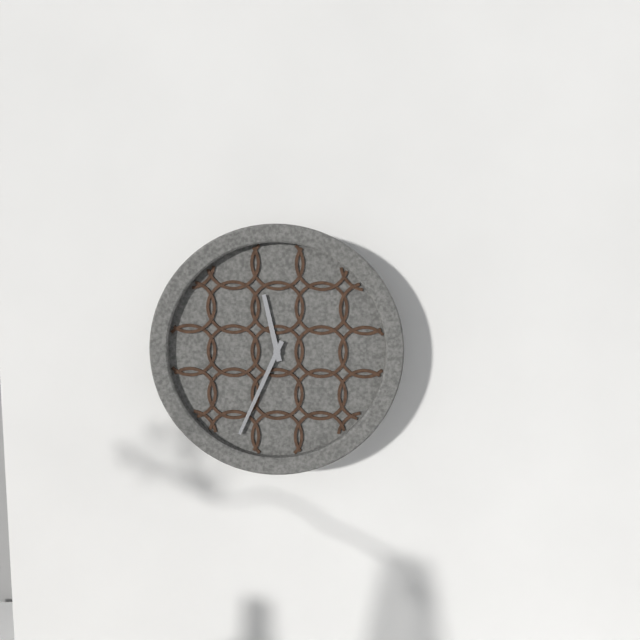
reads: 11,34
